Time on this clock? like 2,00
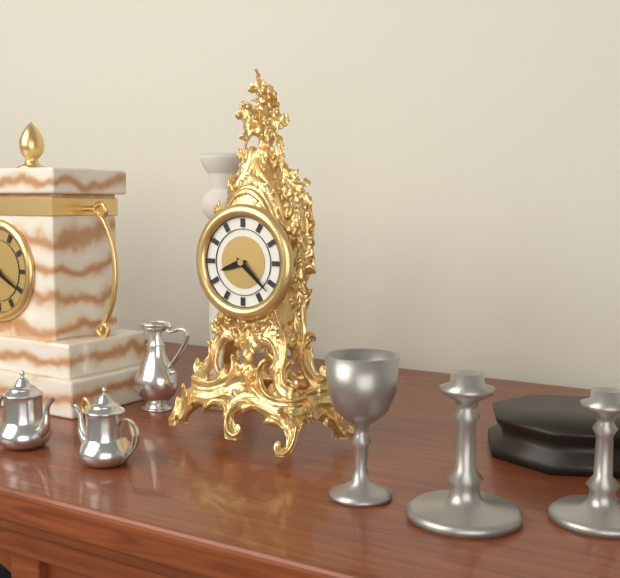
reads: 8,22
